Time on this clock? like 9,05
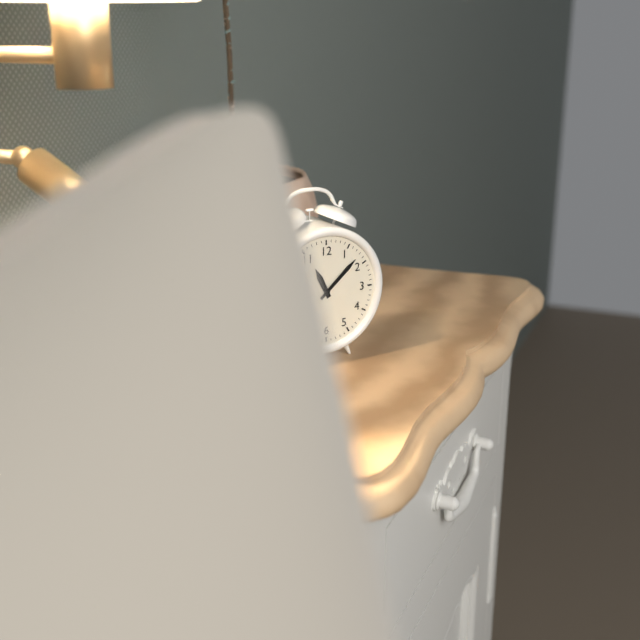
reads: 11,08
